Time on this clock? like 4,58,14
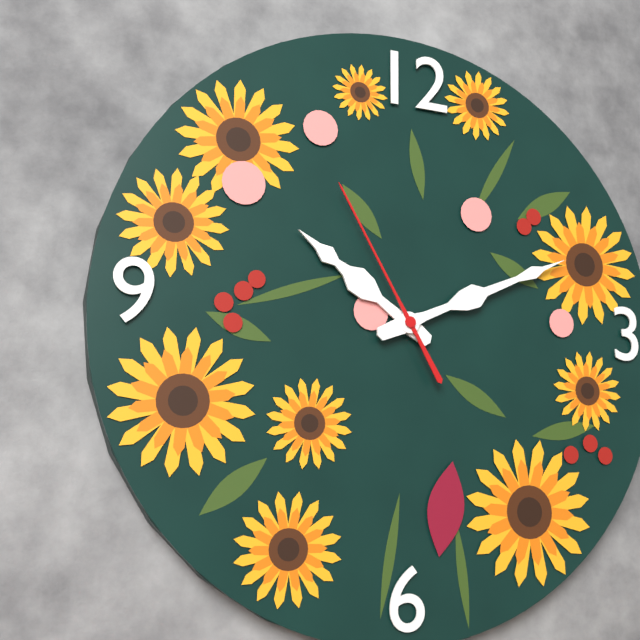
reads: 10,11,55
